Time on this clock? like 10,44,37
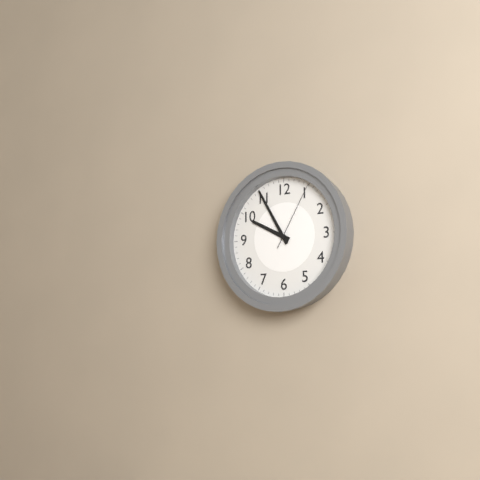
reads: 9,55,05
